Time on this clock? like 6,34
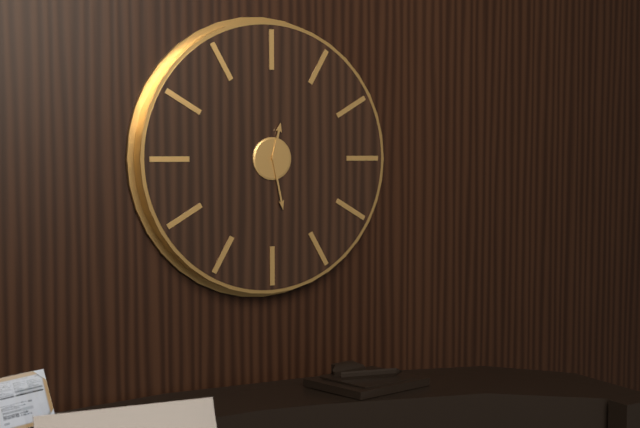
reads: 12,28
